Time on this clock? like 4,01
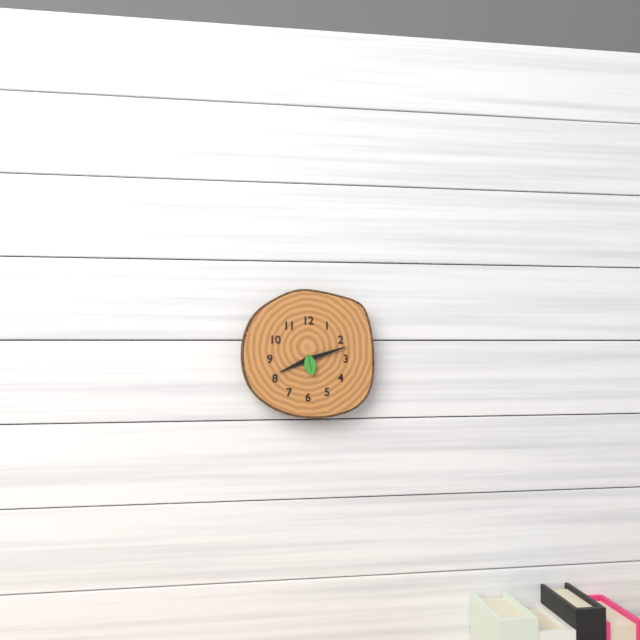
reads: 8,12
